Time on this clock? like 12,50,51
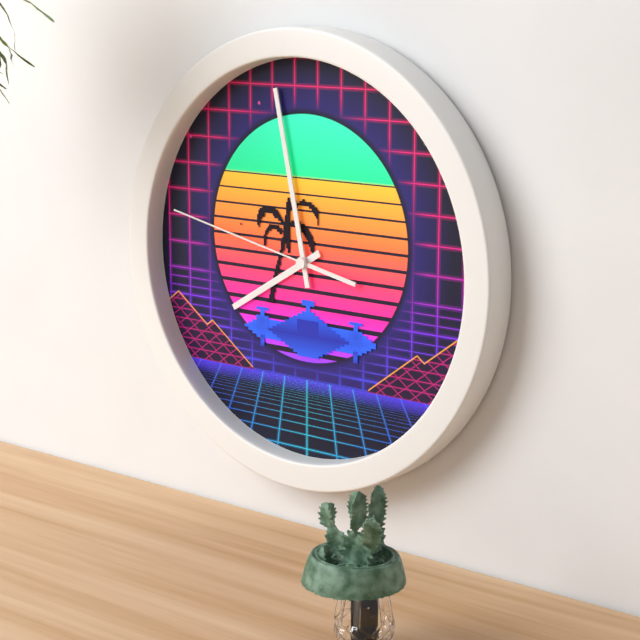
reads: 7,58,47
